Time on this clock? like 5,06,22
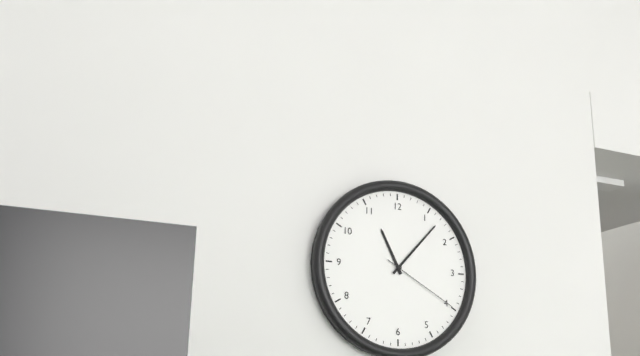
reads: 11,07,20
